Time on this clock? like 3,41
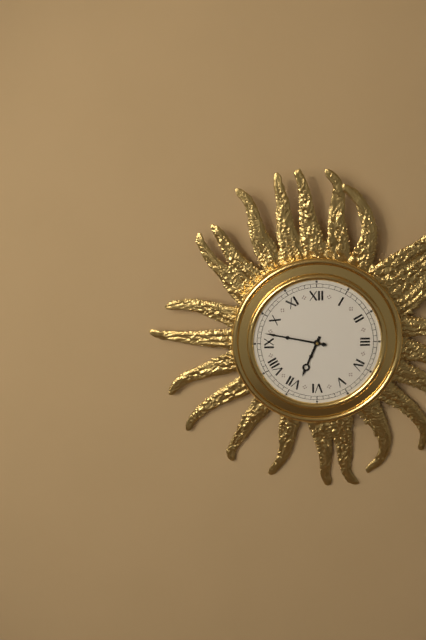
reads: 6,47
